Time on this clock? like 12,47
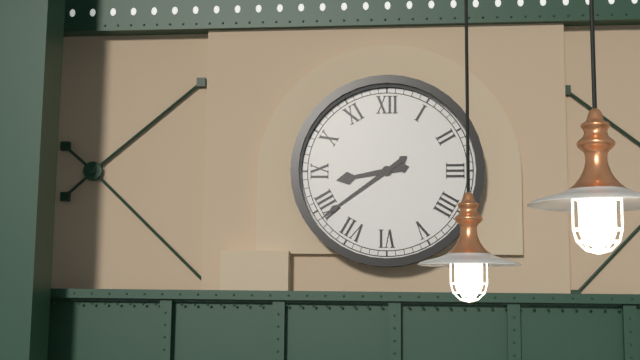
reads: 8,39
